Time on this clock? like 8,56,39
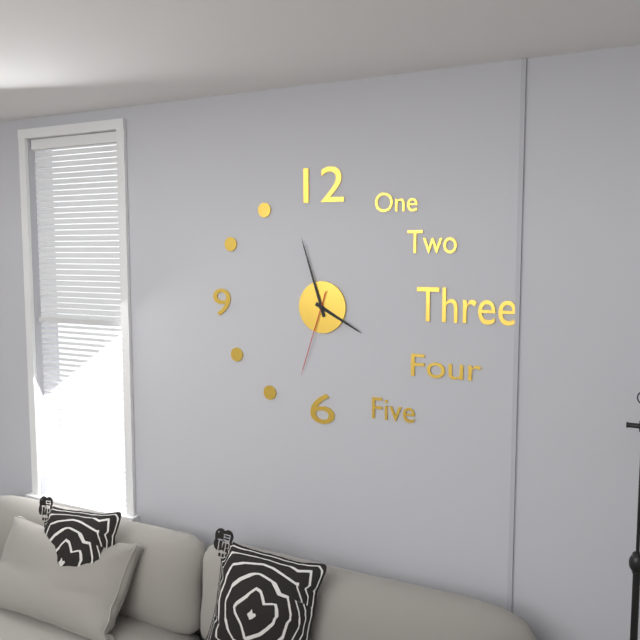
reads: 3,57,33
